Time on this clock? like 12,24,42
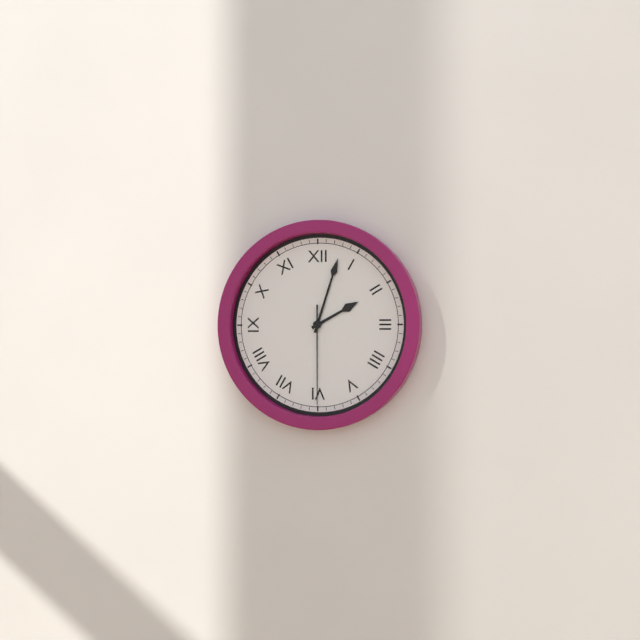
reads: 2,03,30
